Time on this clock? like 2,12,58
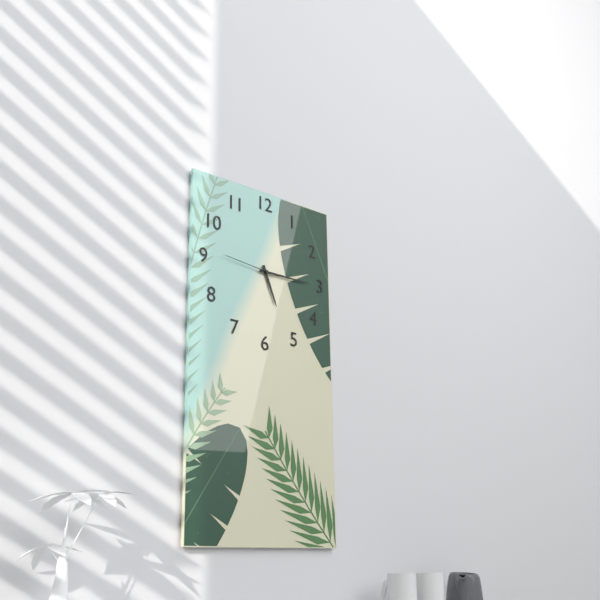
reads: 5,15,46
